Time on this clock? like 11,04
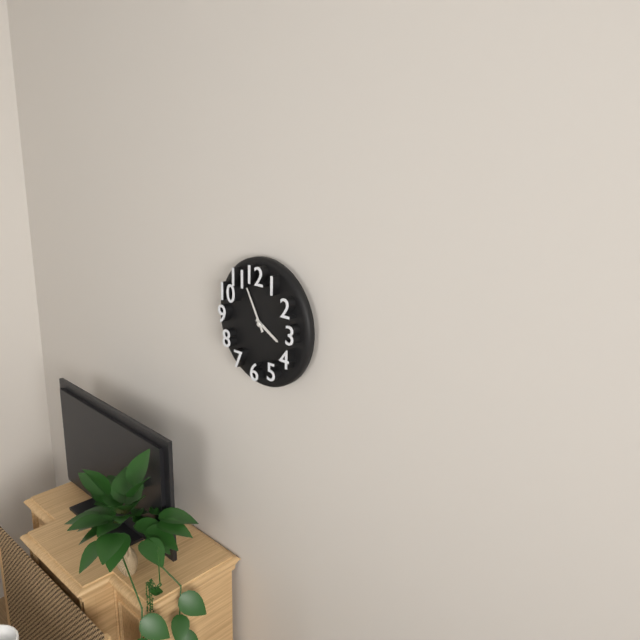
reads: 3,55
